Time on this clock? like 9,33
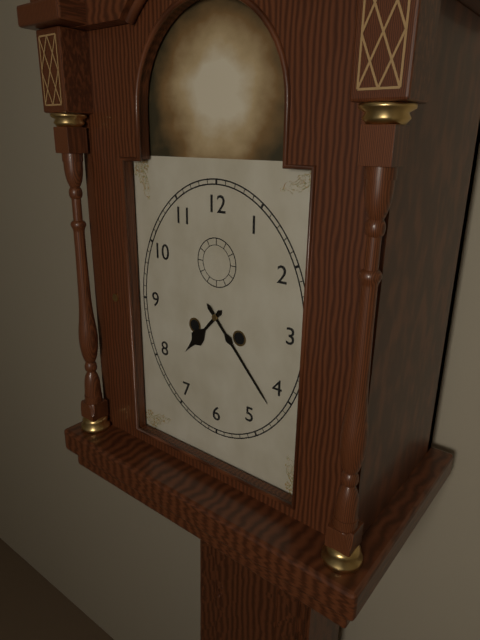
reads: 7,23
